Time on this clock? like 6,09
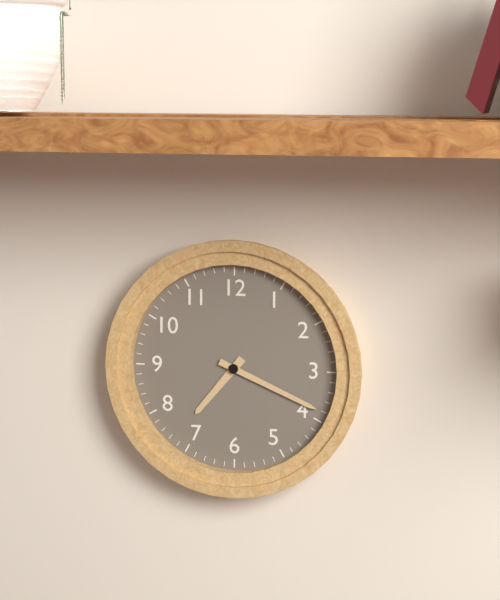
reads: 7,19
